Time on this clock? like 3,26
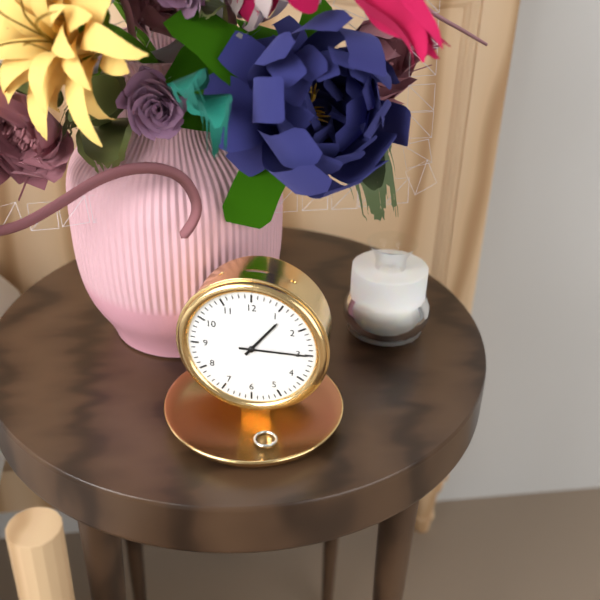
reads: 1,15
